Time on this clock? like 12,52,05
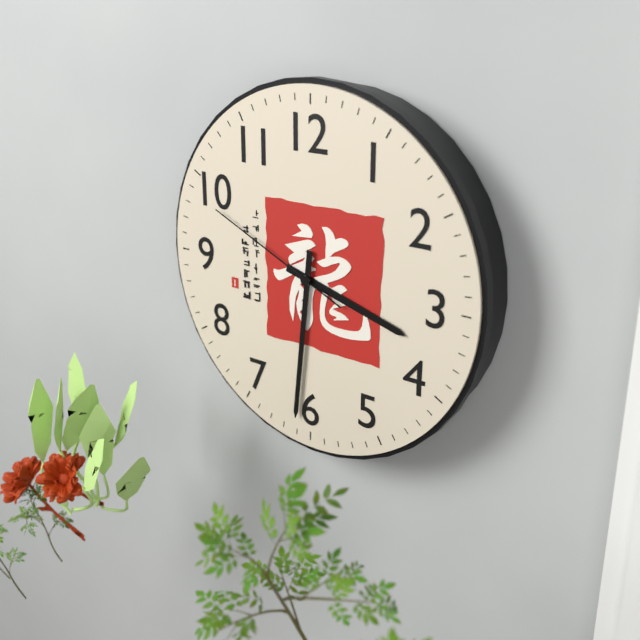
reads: 3,31,49
